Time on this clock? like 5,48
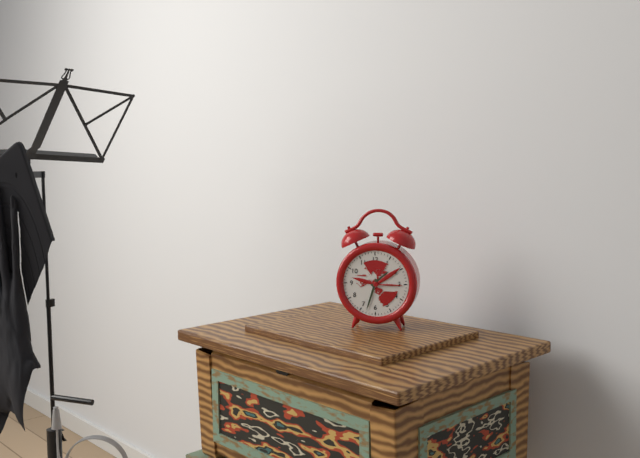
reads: 1,33
